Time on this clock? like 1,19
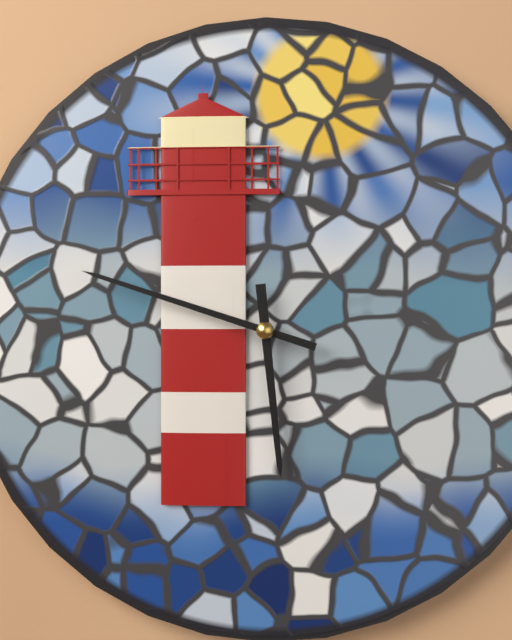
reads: 5,48
